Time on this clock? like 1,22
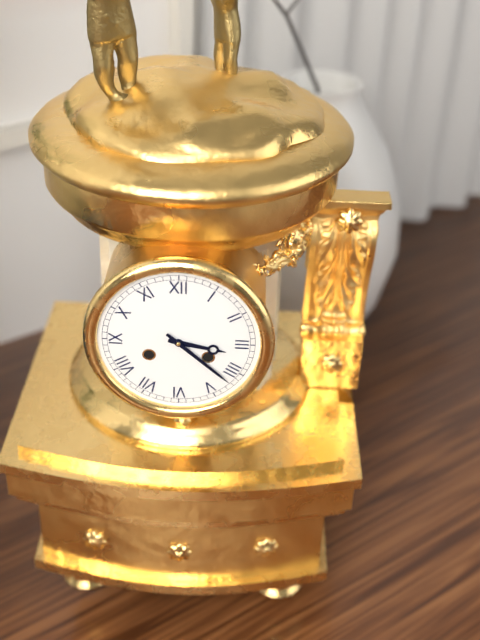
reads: 3,22
